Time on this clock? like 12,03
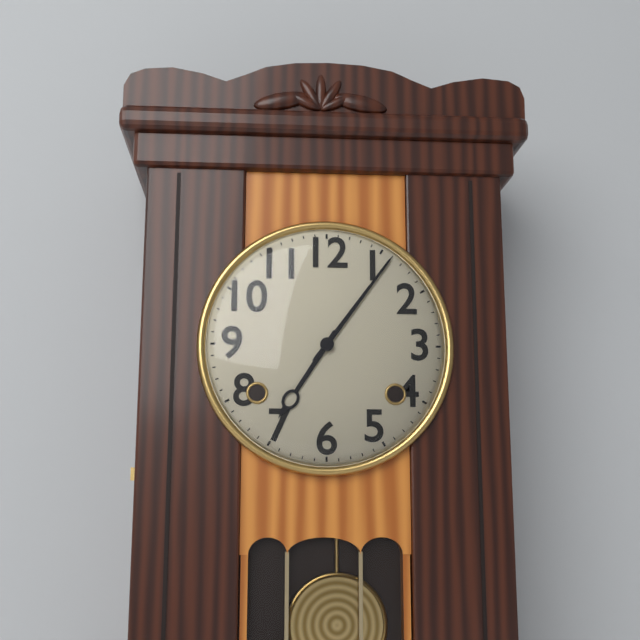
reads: 7,06
